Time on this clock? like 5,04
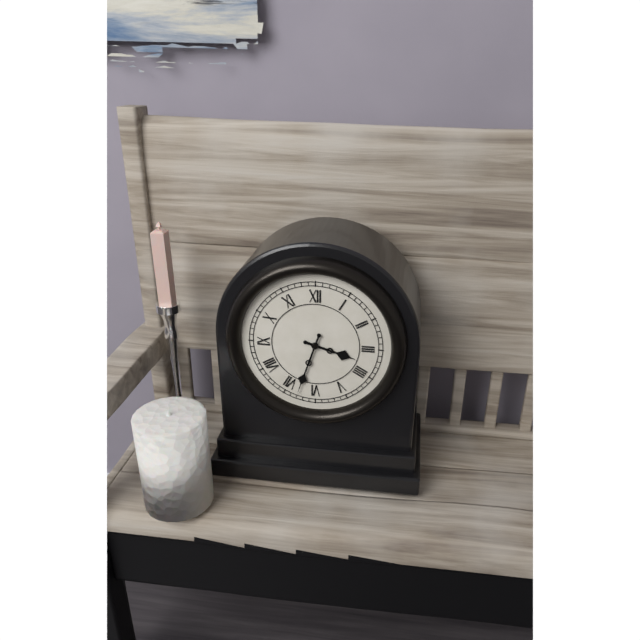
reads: 3,33
